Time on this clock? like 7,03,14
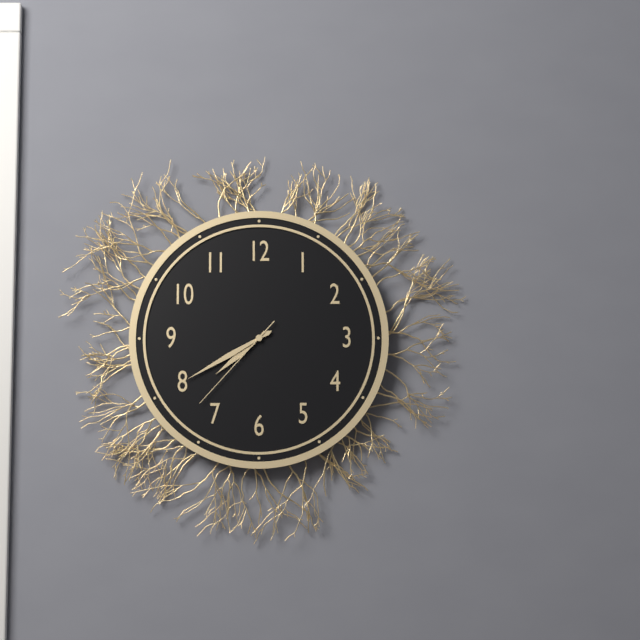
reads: 7,40,37
